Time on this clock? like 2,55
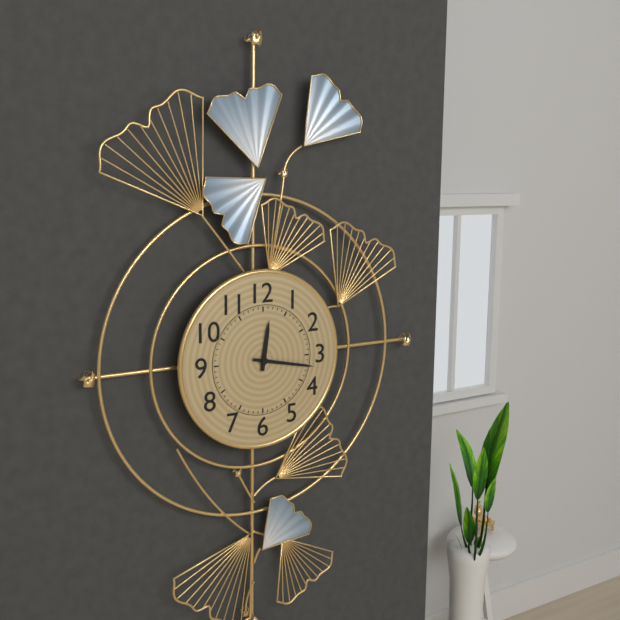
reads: 12,17
